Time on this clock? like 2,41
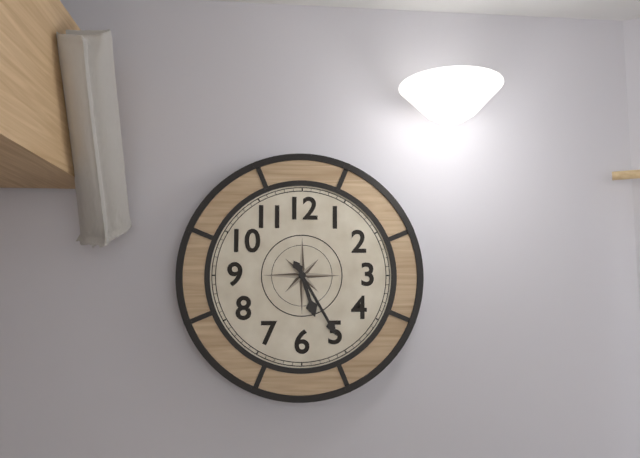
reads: 5,25
